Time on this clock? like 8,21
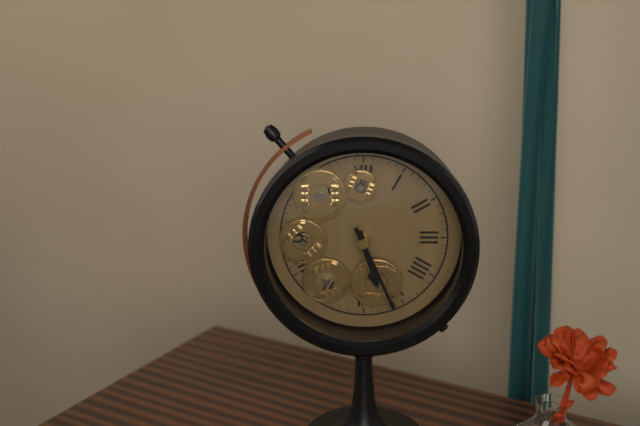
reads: 5,26
